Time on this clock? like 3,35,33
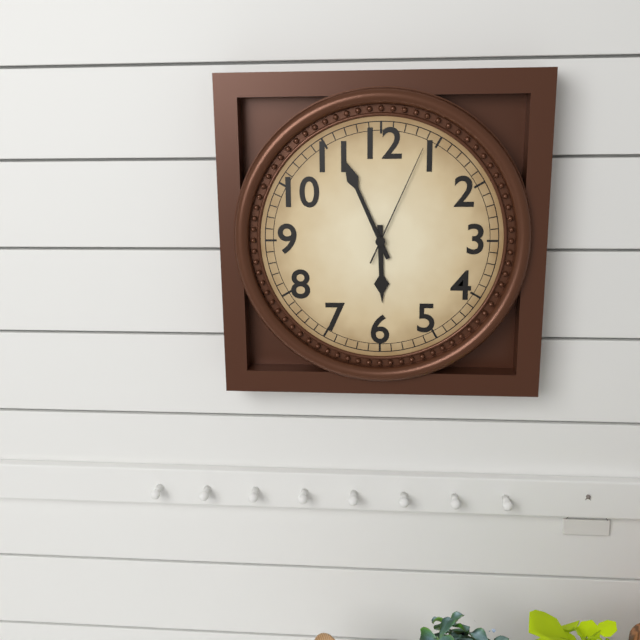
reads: 5,56,04
